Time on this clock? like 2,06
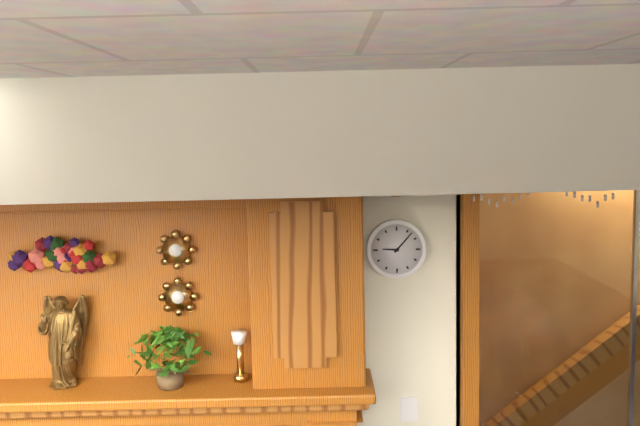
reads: 9,07
